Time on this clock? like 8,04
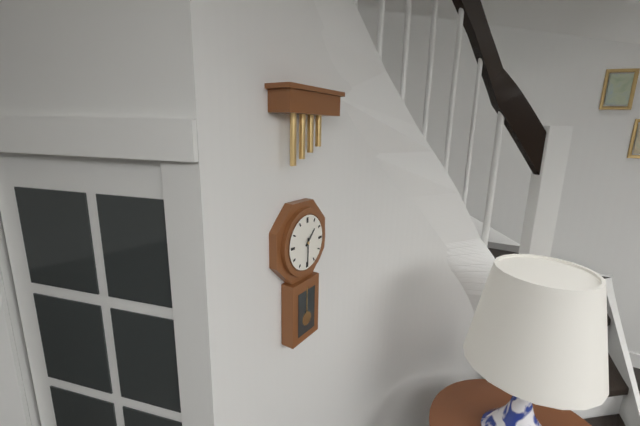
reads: 1,30
